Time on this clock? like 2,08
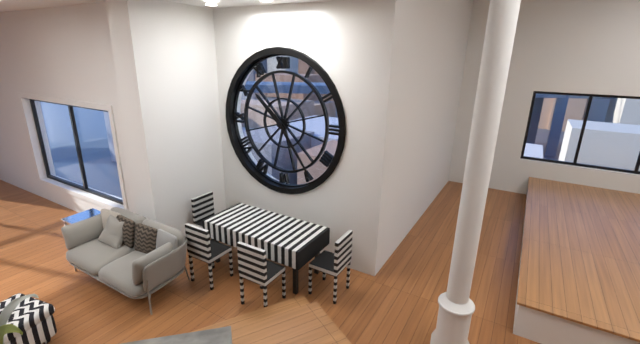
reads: 10,24
